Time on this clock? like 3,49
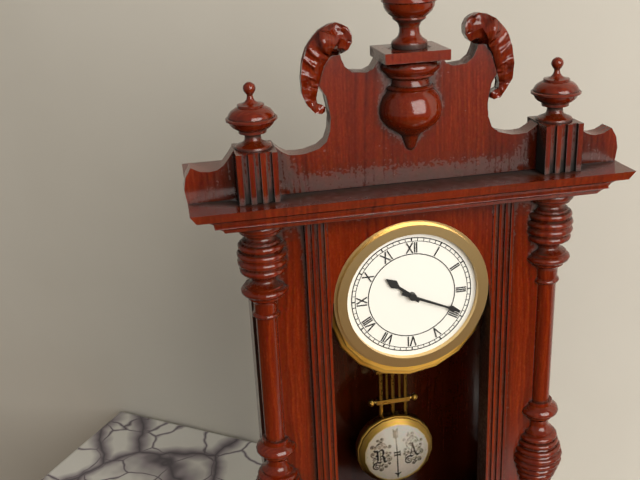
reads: 10,19
